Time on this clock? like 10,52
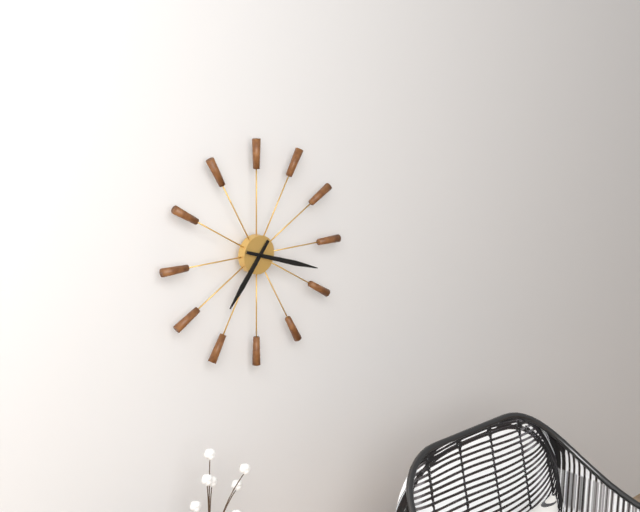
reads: 7,18
